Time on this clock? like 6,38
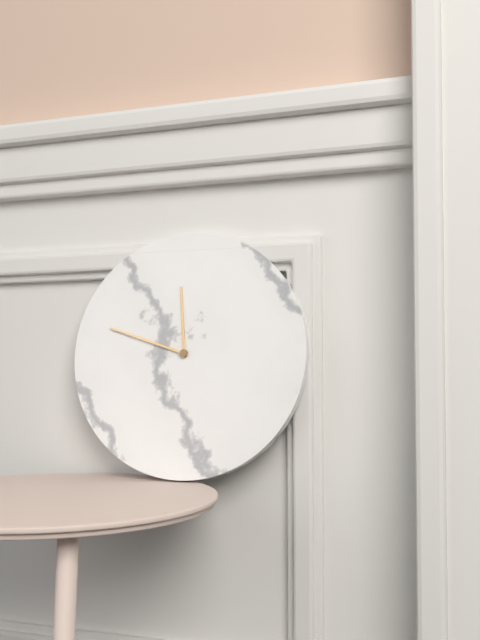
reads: 11,48
